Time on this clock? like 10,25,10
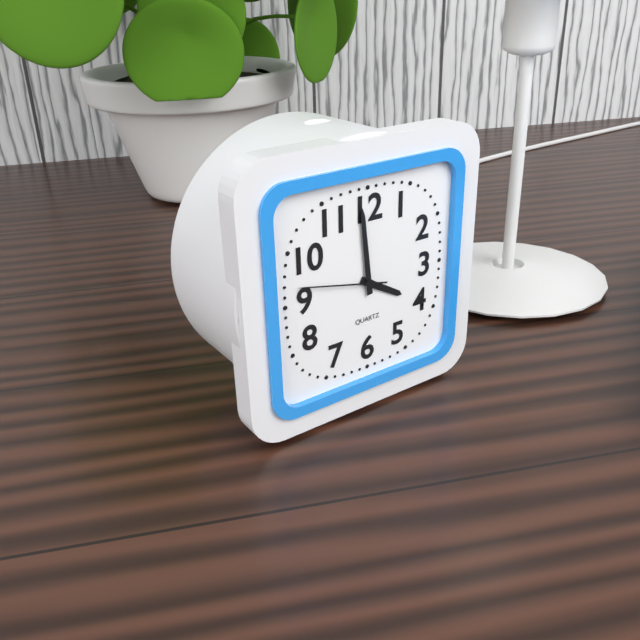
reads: 3,59,47
